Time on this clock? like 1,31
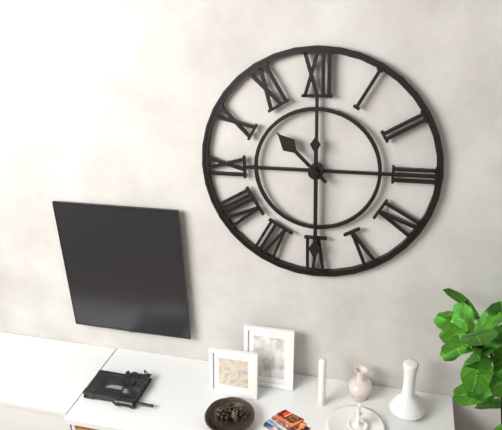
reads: 10,30
